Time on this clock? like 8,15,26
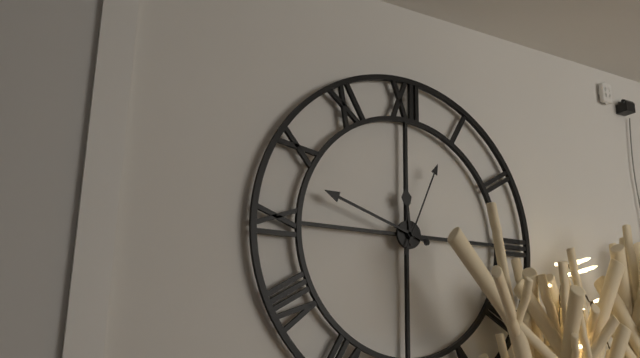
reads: 11,48,04
